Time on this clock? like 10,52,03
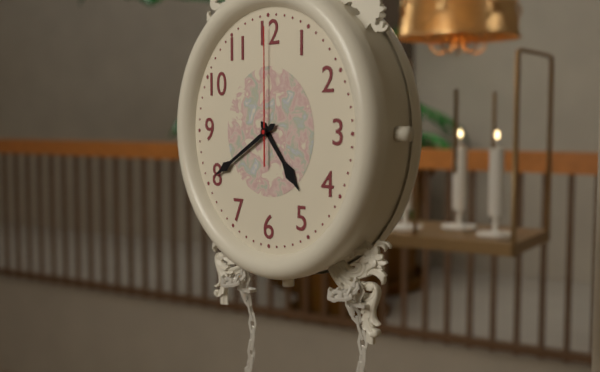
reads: 4,40,00
